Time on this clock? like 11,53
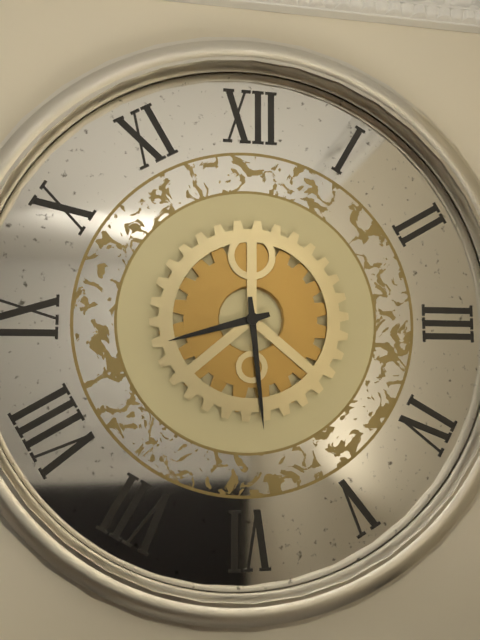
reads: 8,29
